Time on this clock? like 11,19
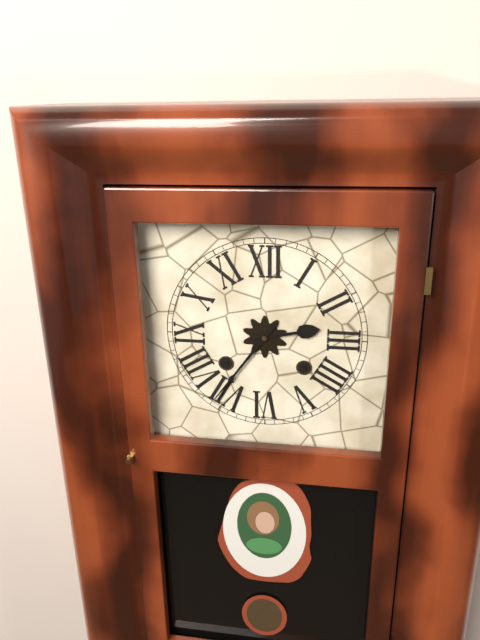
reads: 2,36
